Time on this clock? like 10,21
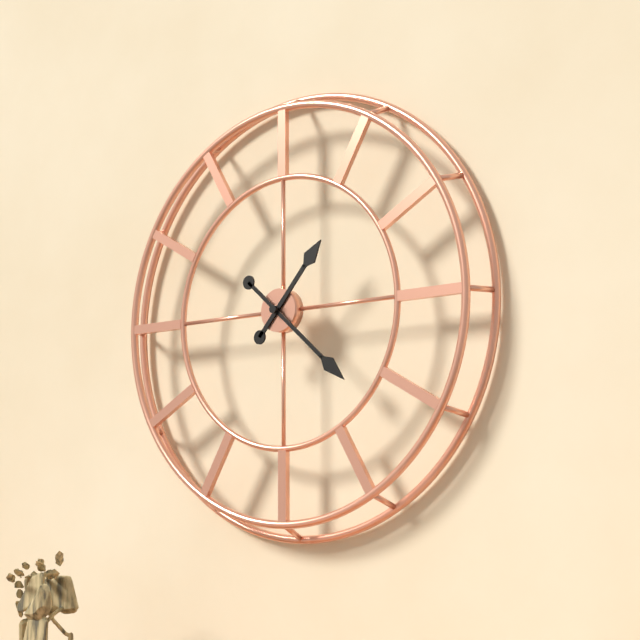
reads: 1,22
